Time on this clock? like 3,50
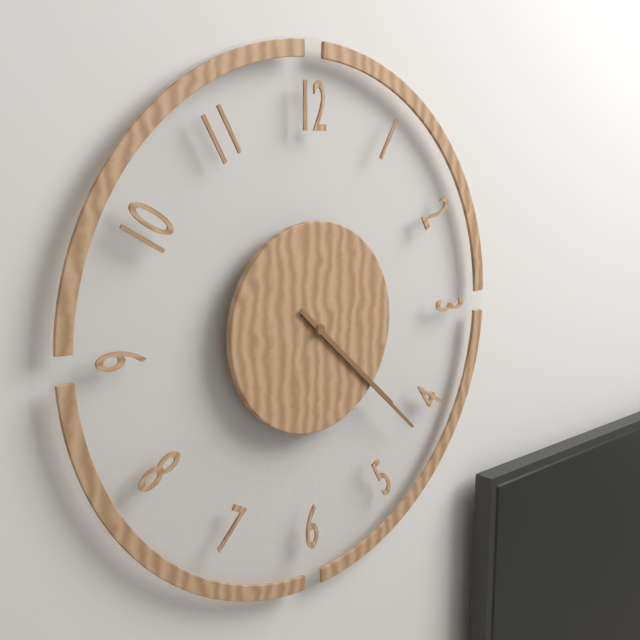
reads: 4,22
